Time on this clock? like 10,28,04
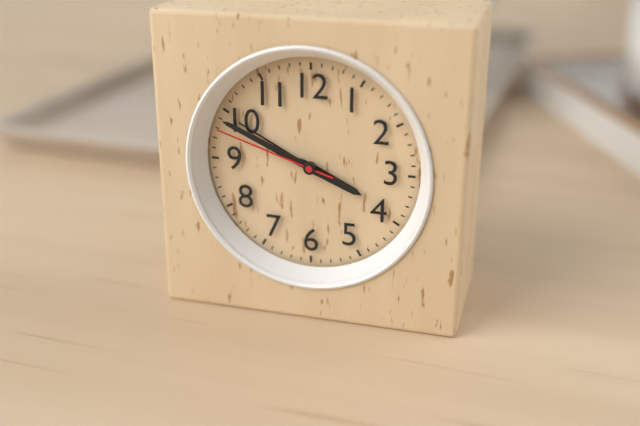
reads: 3,49,48
